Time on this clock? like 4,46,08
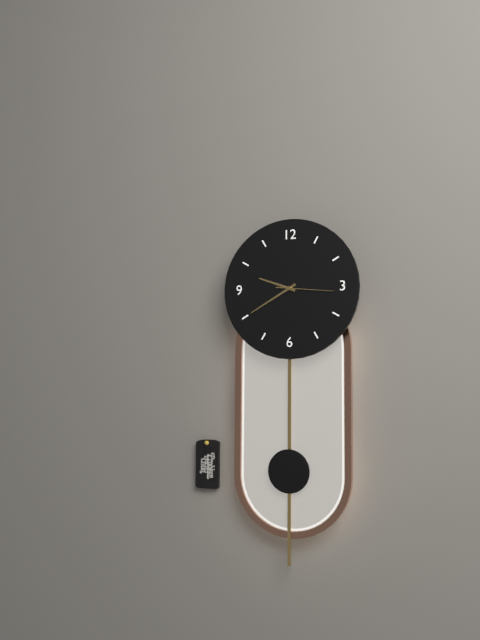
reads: 9,40,16
